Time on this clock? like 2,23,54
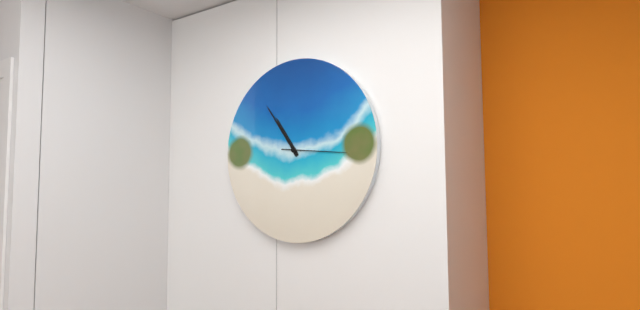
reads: 10,54,16
